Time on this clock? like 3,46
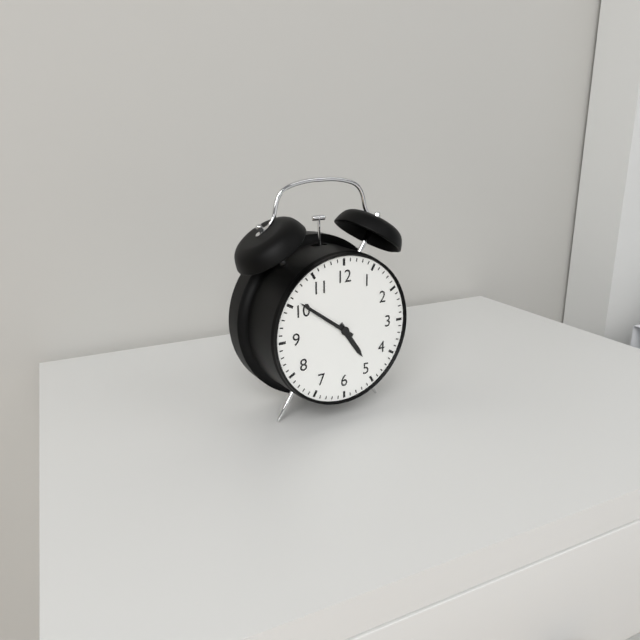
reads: 4,51
